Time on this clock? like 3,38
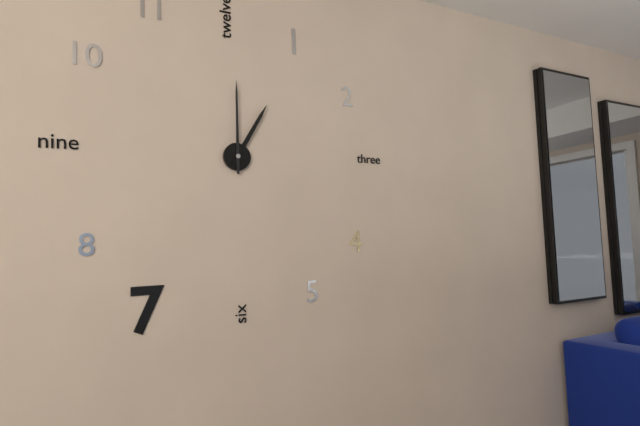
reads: 1,00
